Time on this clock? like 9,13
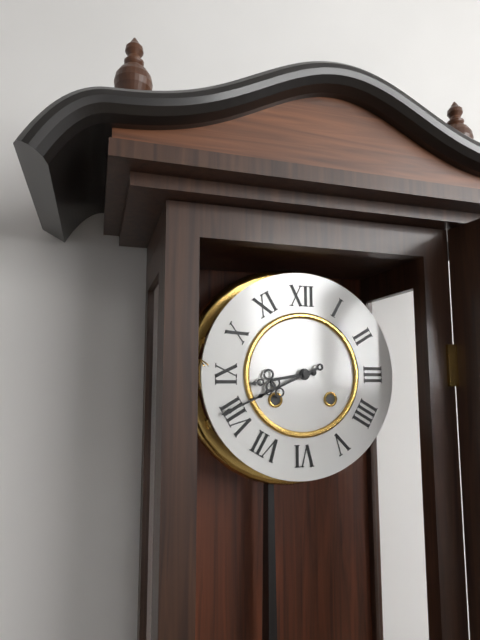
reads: 8,41
